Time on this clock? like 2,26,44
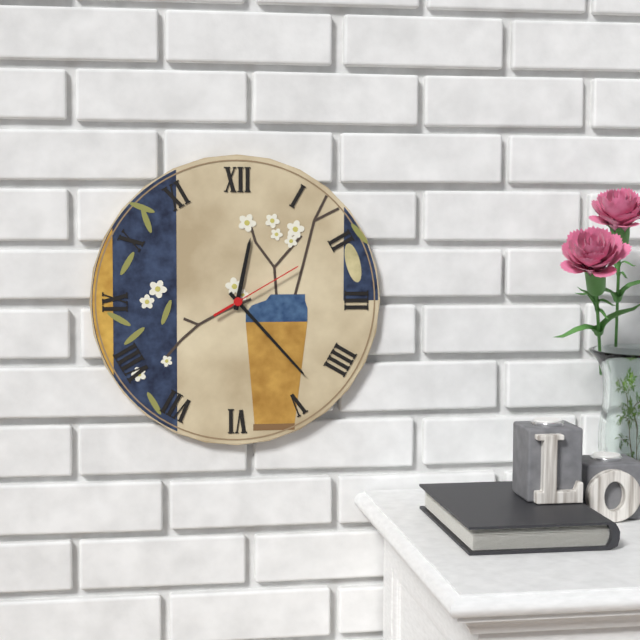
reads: 12,23,10
